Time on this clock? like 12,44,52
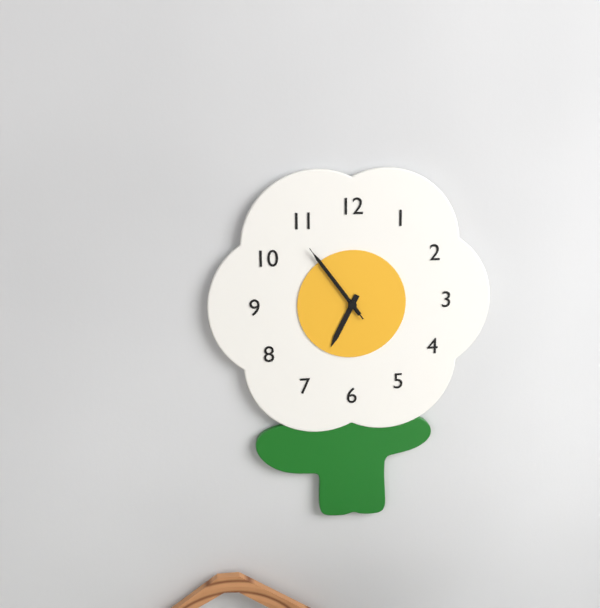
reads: 6,54,54
